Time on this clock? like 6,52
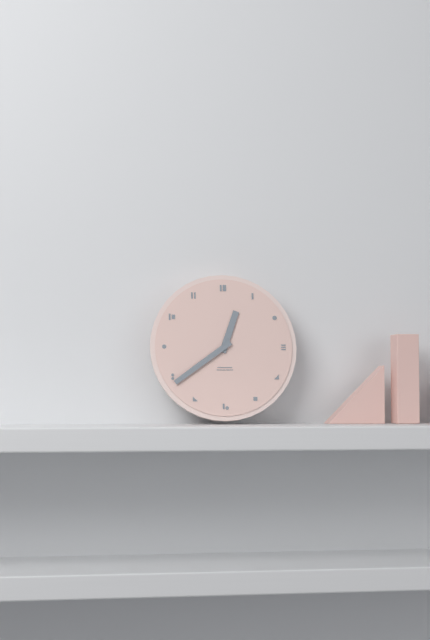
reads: 12,39
